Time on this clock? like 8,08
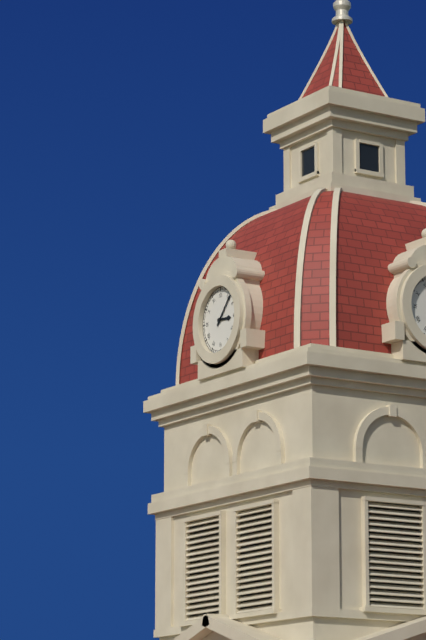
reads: 3,07
